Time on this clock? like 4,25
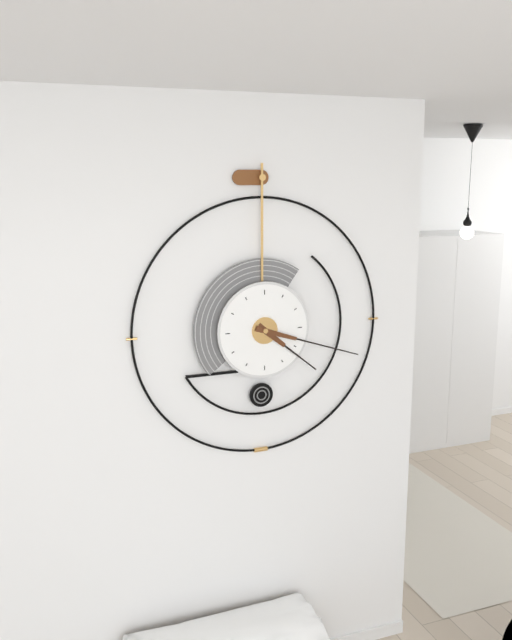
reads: 4,18
